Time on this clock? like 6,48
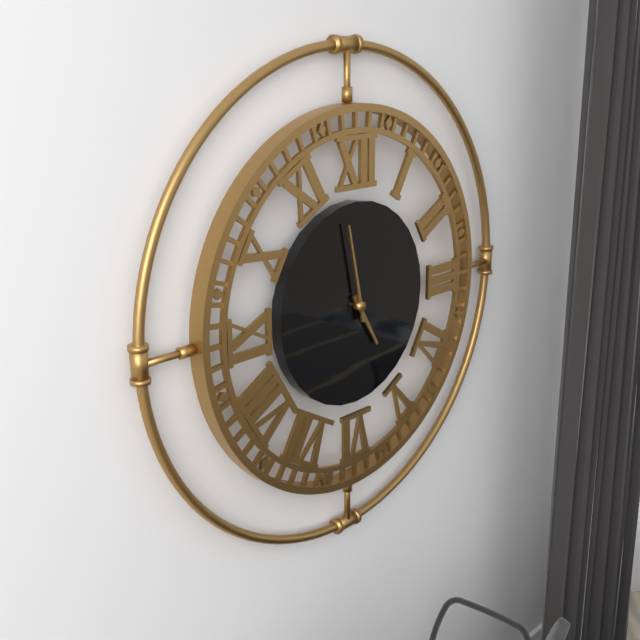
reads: 4,58
